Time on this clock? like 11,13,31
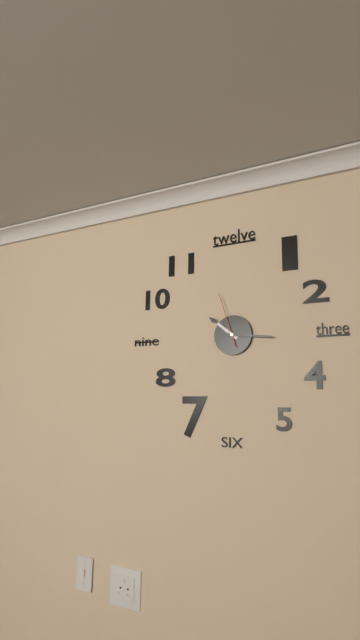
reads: 10,16,57
